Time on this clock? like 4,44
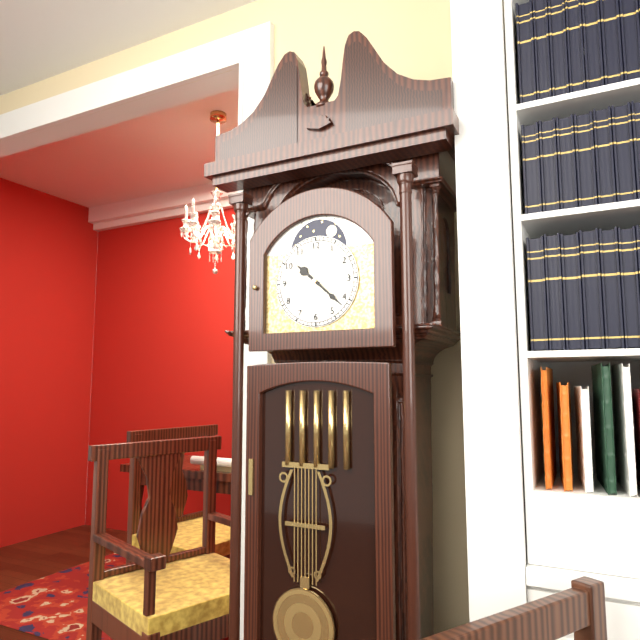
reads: 10,22
